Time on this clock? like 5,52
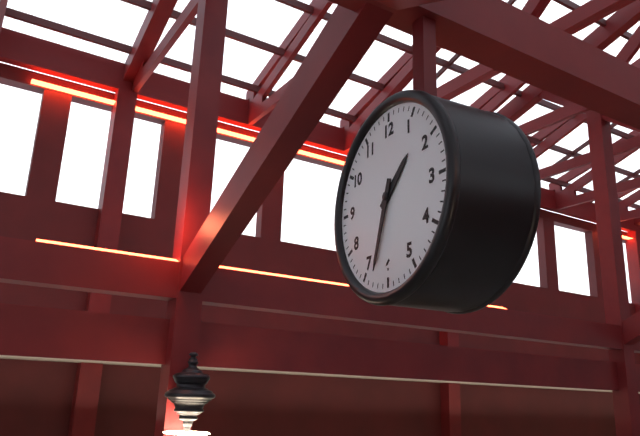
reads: 1,33
